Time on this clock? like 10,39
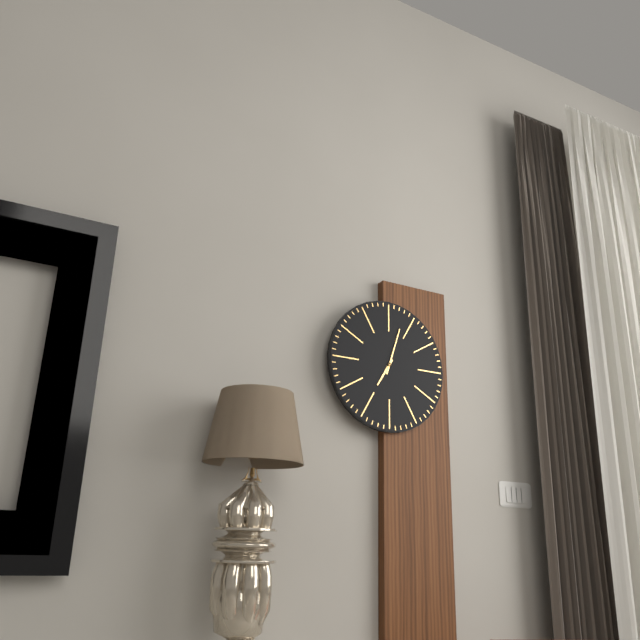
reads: 7,03
